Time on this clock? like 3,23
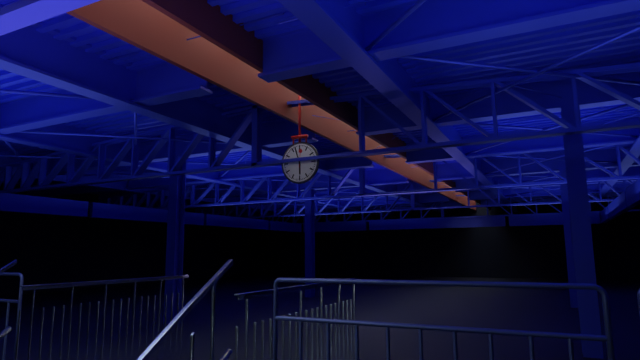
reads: 5,57
